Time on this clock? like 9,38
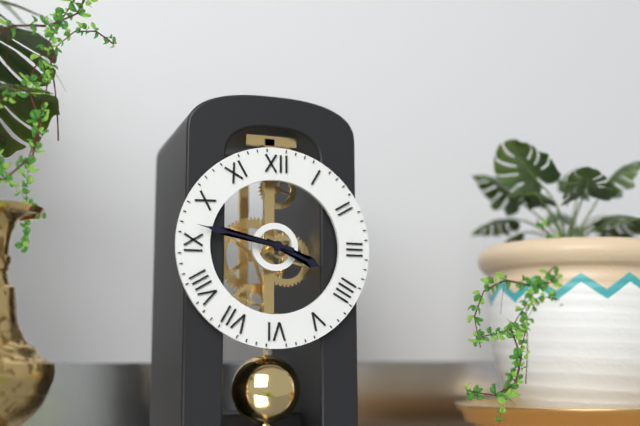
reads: 3,47
